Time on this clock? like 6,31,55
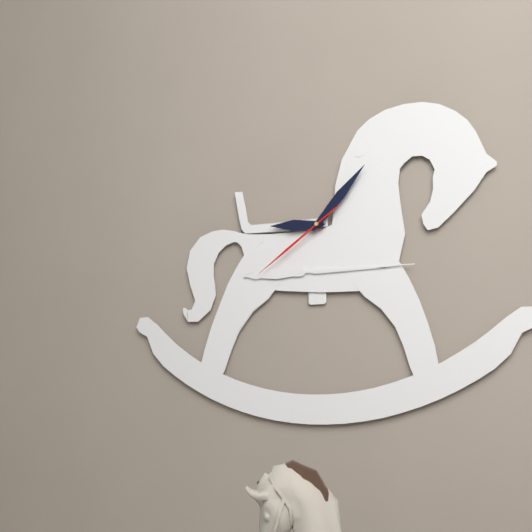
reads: 9,07,39
